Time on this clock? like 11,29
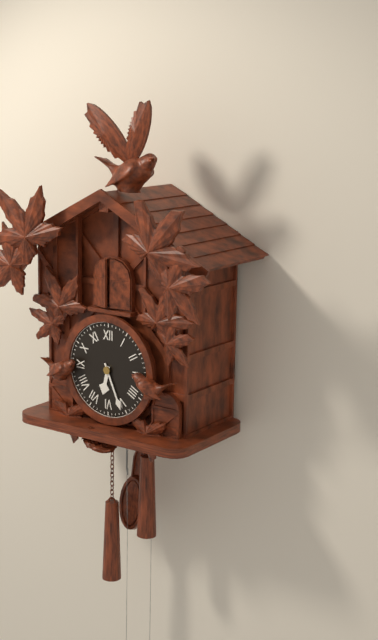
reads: 6,26
